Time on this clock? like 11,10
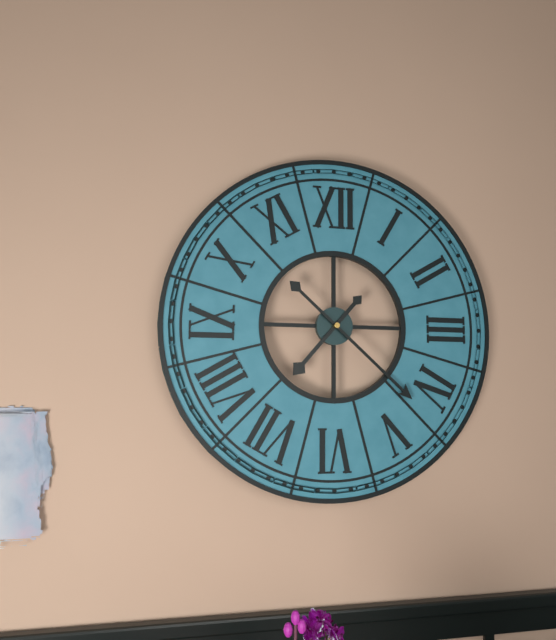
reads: 7,22
